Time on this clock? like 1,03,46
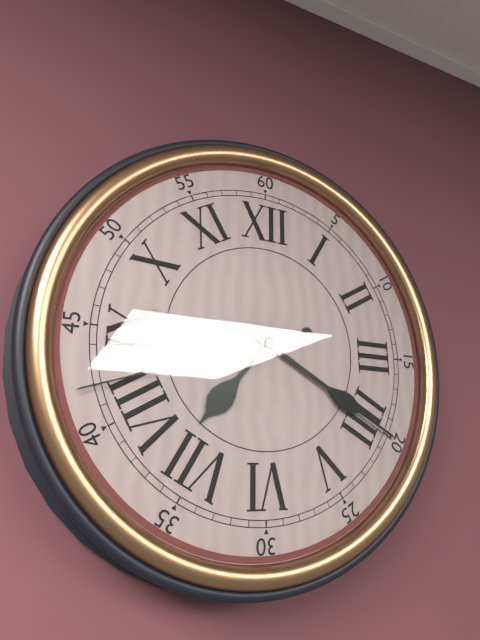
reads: 7,20,42
